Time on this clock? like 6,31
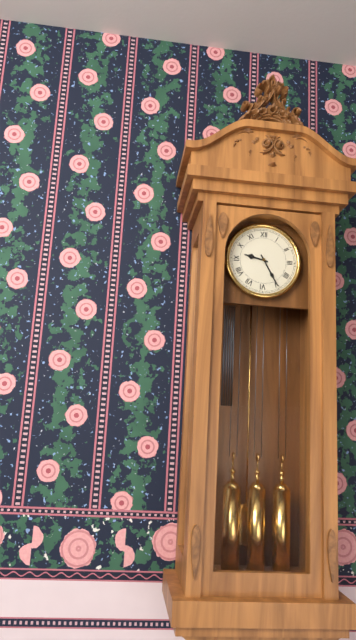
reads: 9,25
